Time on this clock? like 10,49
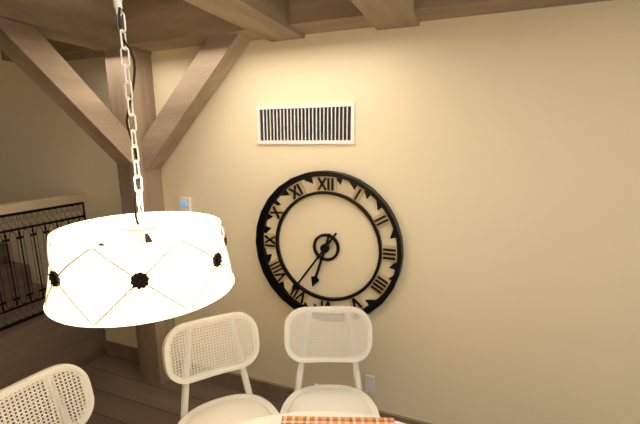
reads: 6,36
